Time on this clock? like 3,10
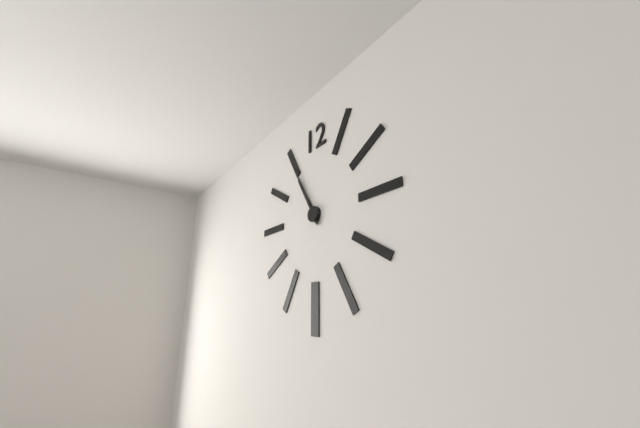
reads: 10,55
